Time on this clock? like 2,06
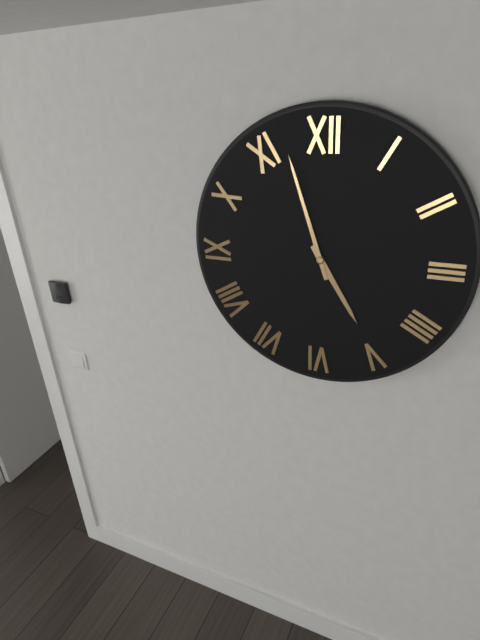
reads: 4,57
